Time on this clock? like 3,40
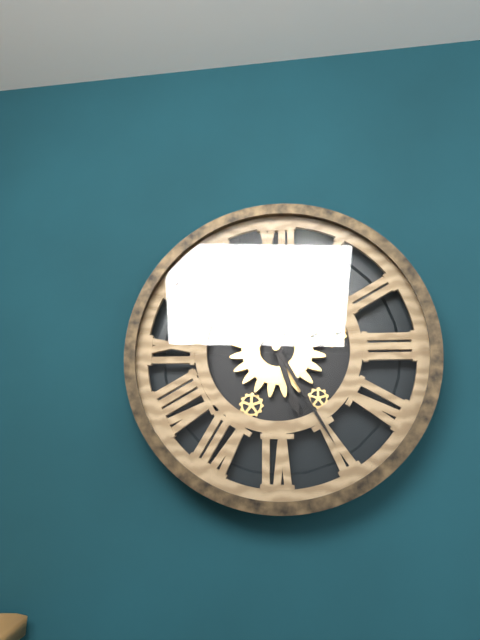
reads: 5,25
